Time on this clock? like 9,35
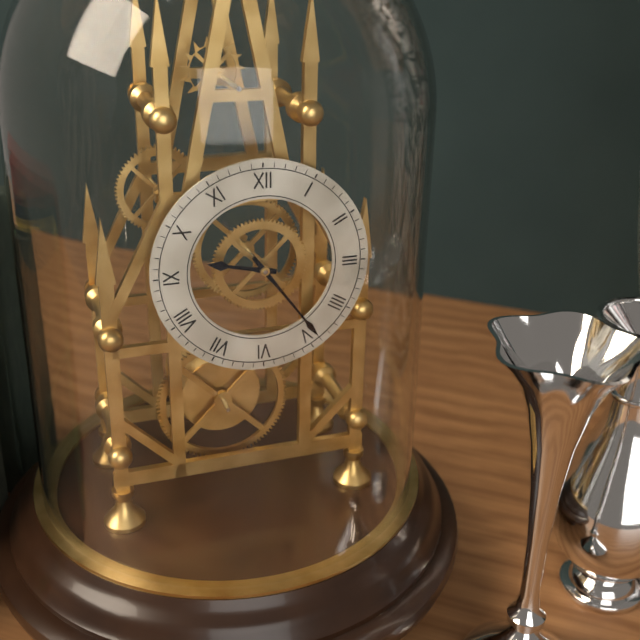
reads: 9,24
